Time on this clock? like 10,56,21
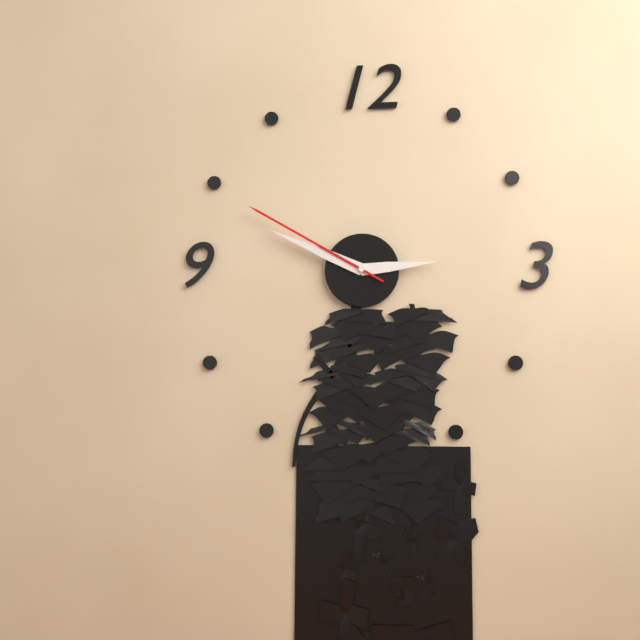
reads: 2,49,50
